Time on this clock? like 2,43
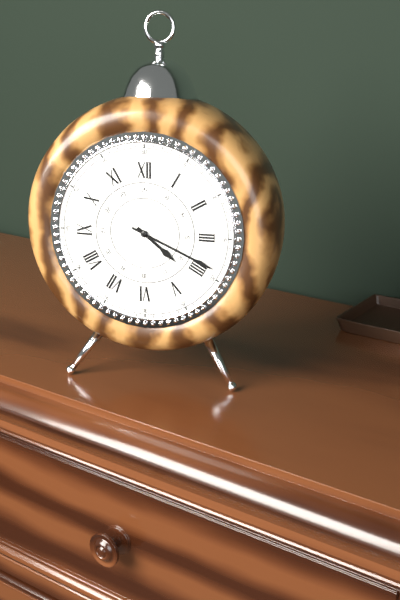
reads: 4,19
